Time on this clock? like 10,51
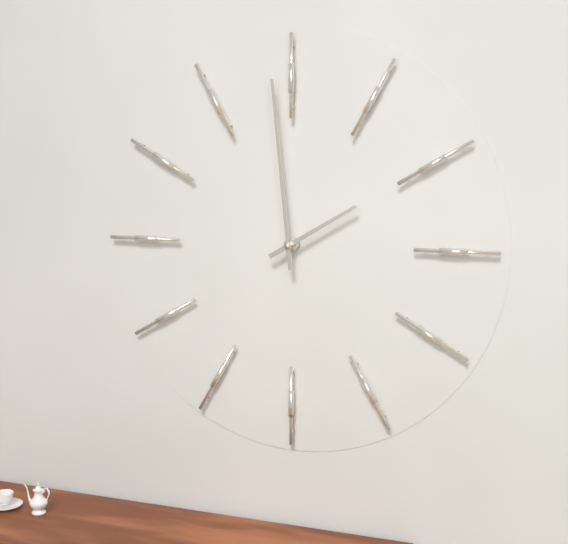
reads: 1,59
